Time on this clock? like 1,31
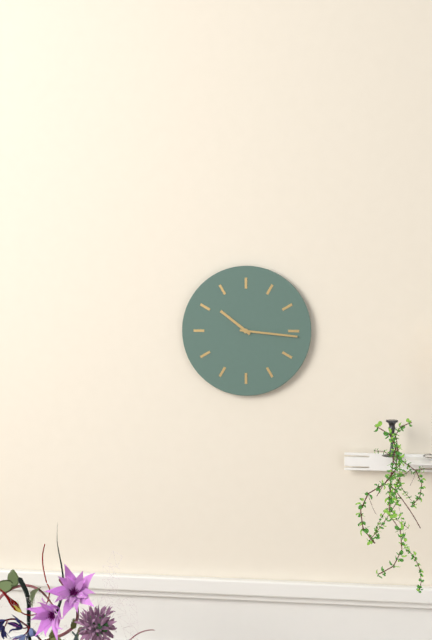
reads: 10,16
